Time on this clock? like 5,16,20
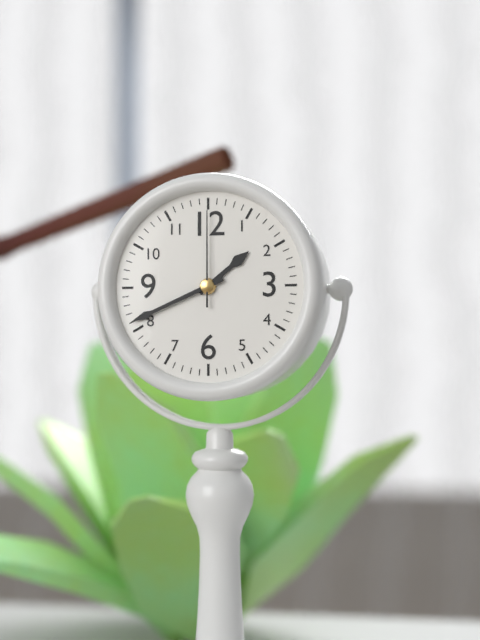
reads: 1,41,00
